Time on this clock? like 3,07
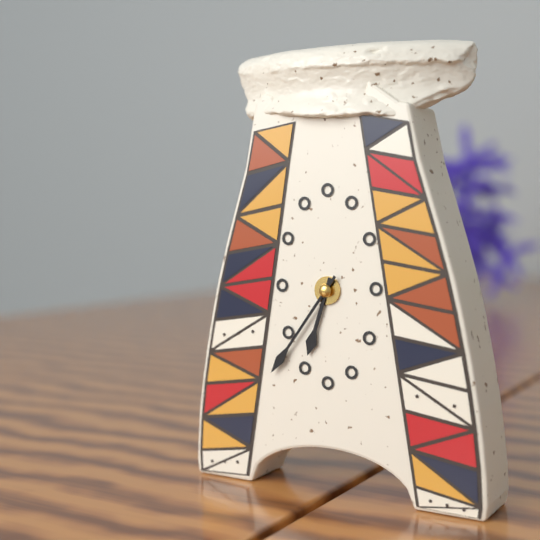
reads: 6,36
